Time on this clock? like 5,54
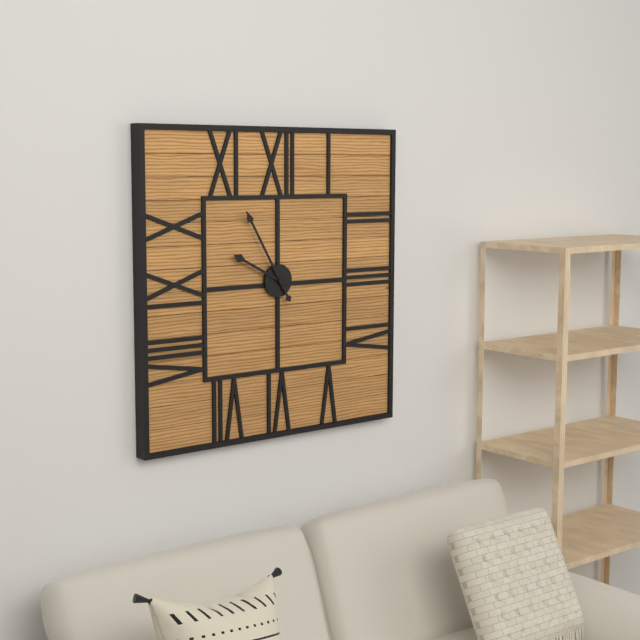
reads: 9,55
